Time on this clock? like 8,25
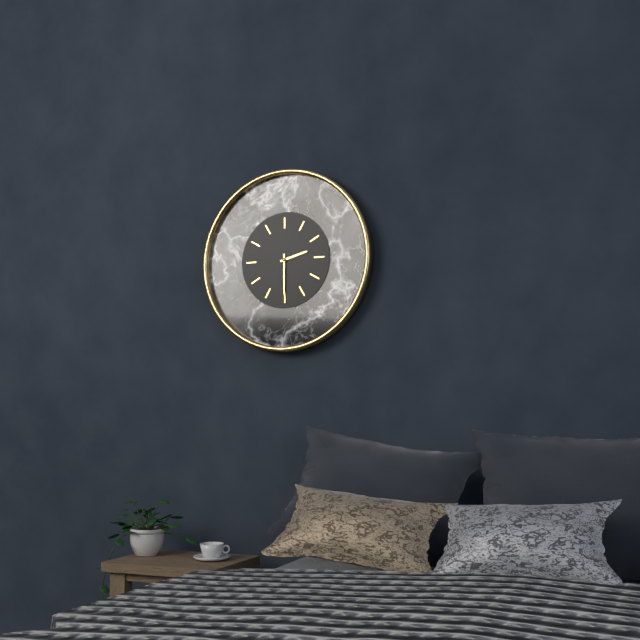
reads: 2,30
